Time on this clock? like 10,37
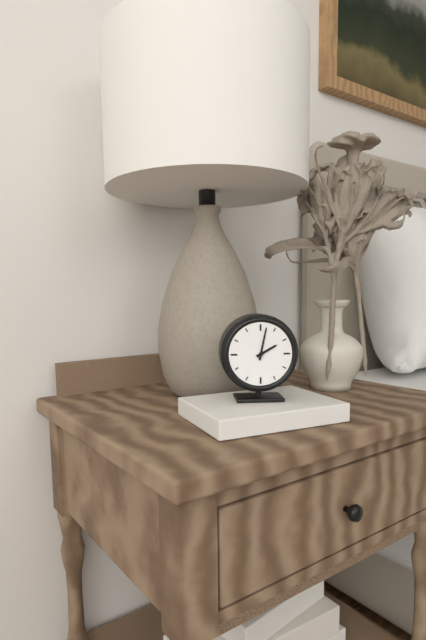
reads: 2,02
